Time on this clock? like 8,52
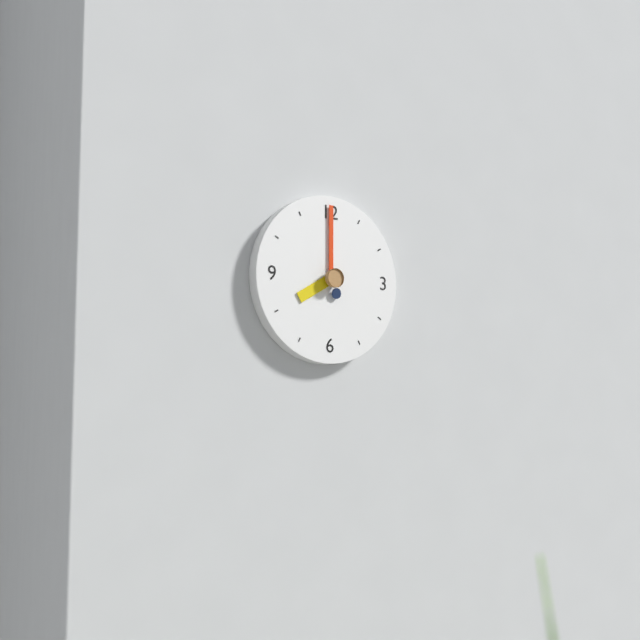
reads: 8,00
